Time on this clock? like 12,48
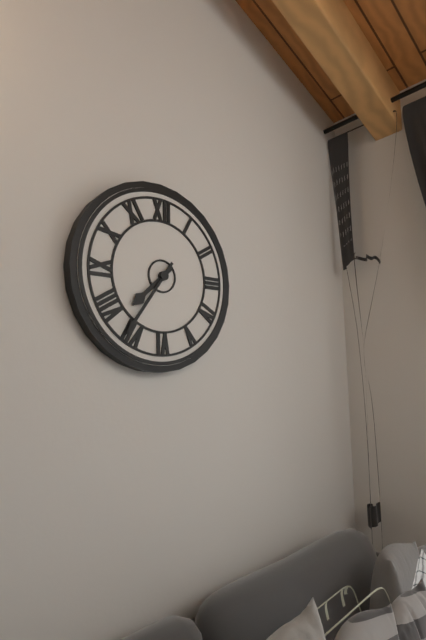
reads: 7,36
